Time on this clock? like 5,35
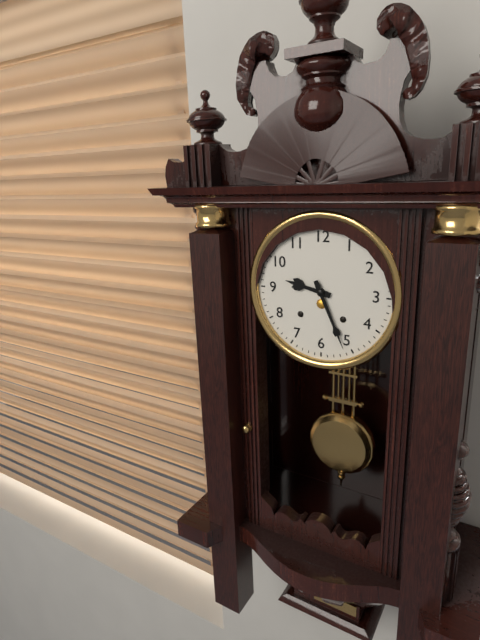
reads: 9,26
